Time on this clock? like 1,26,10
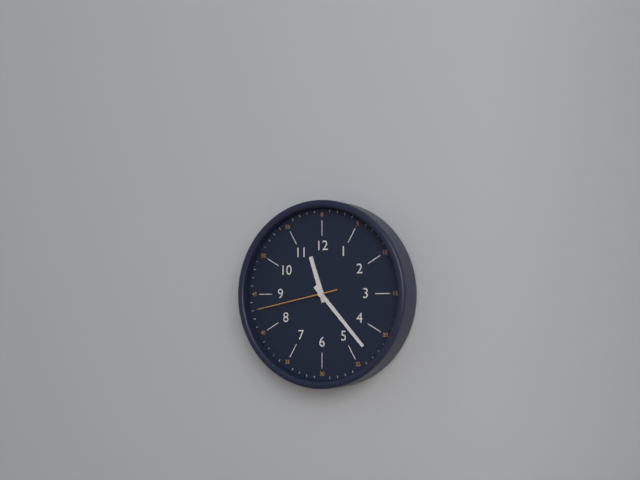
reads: 11,23,43
